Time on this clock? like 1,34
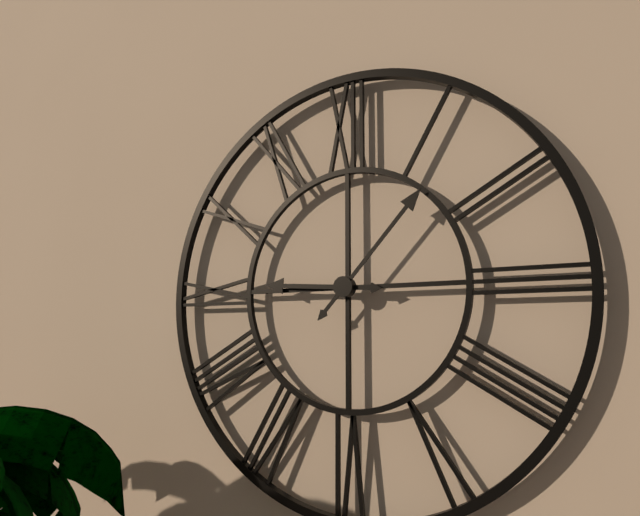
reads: 9,07
